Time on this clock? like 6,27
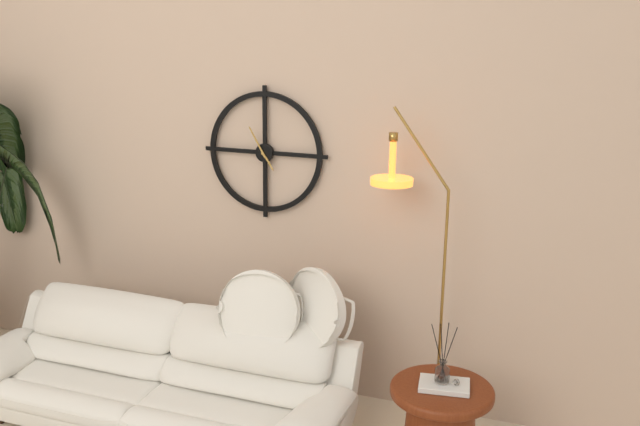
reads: 4,55
